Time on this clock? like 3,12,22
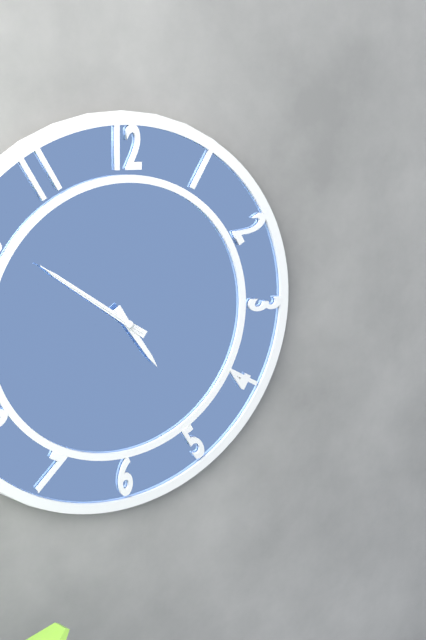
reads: 4,51,51
